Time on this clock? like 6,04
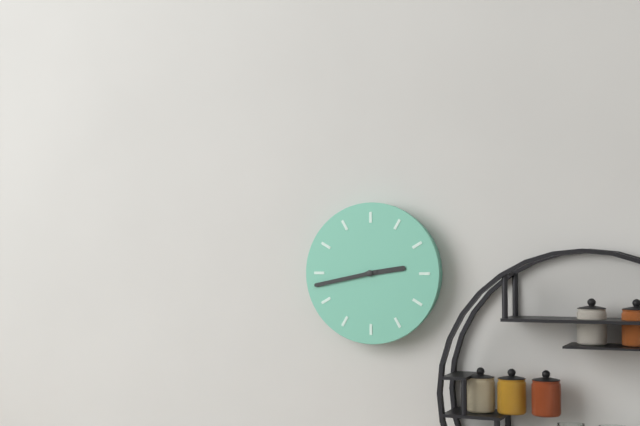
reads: 2,43
